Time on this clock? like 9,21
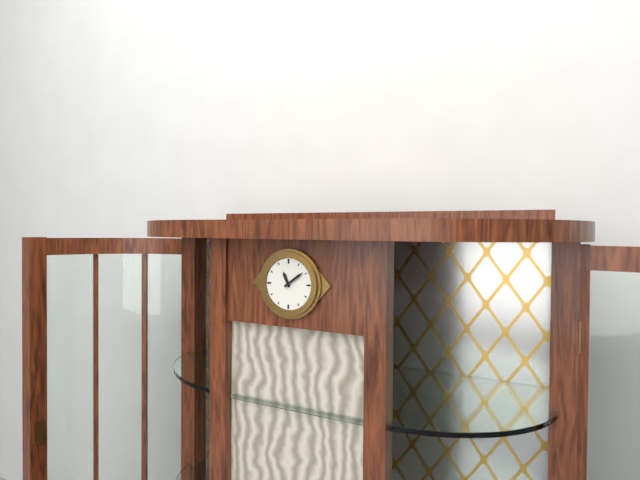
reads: 11,09
